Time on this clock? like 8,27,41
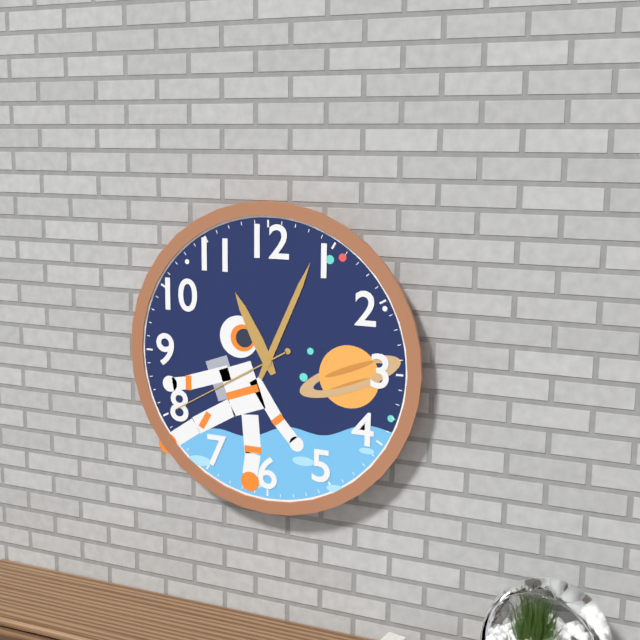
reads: 11,04,40
